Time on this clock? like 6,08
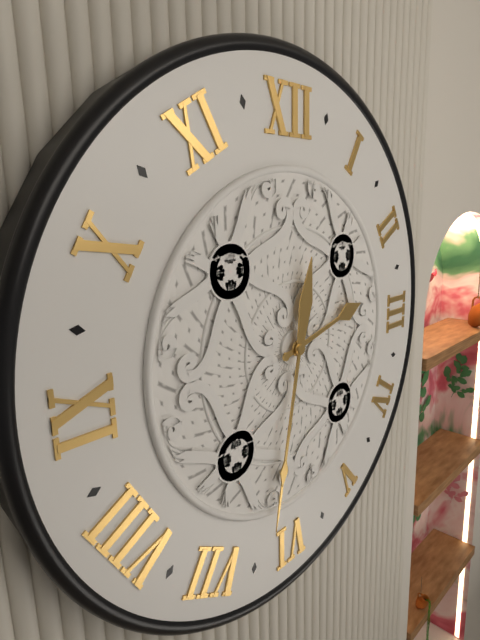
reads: 2,32
